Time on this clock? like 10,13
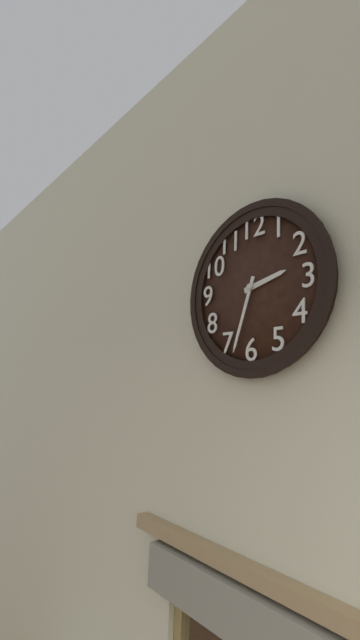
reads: 2,33
